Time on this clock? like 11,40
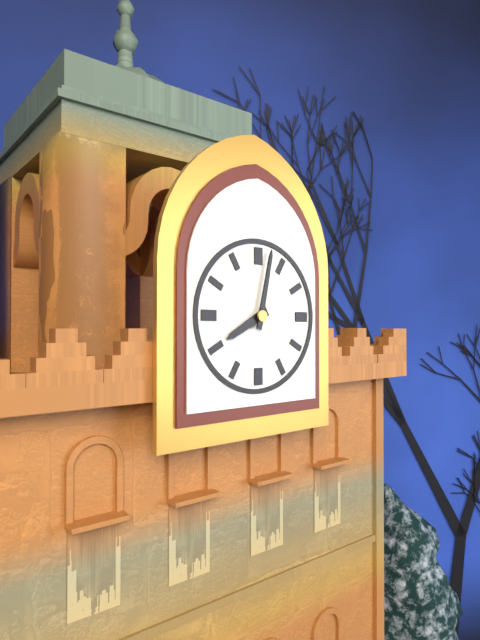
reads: 8,02
